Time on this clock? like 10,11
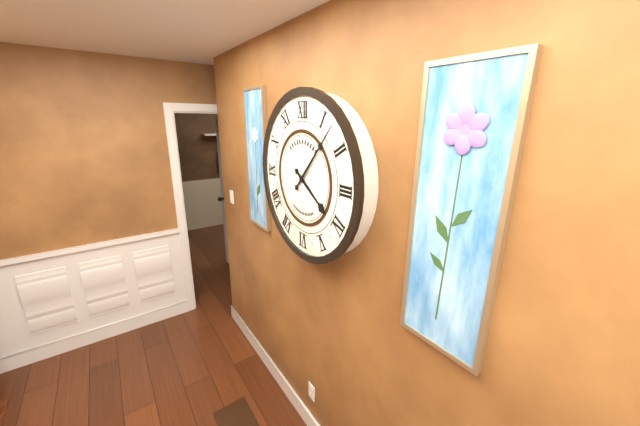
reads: 4,07
